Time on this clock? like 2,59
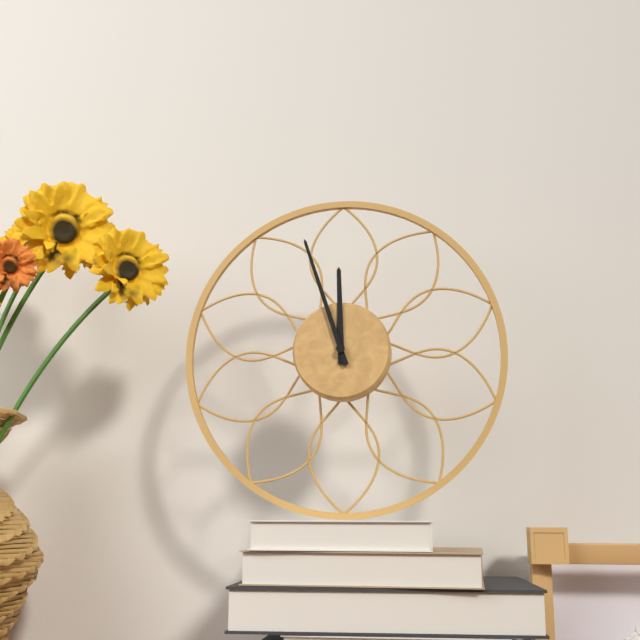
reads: 11,57
